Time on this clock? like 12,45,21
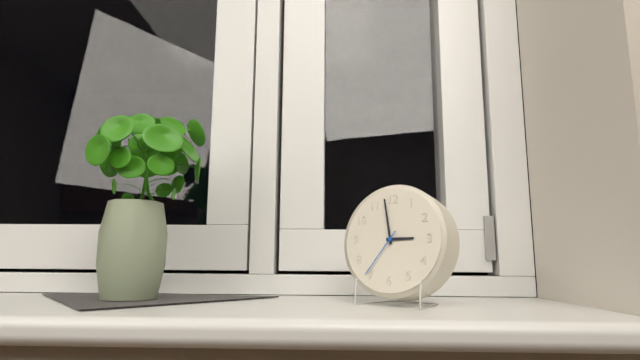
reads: 2,58,36
